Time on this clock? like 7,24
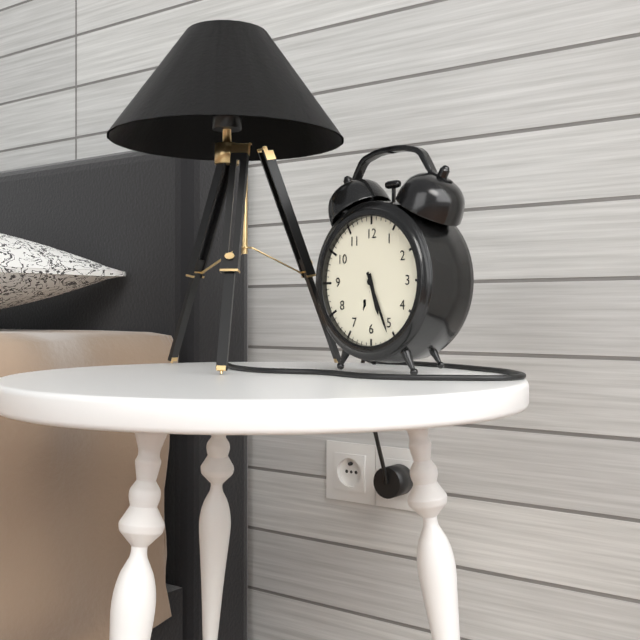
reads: 5,26
